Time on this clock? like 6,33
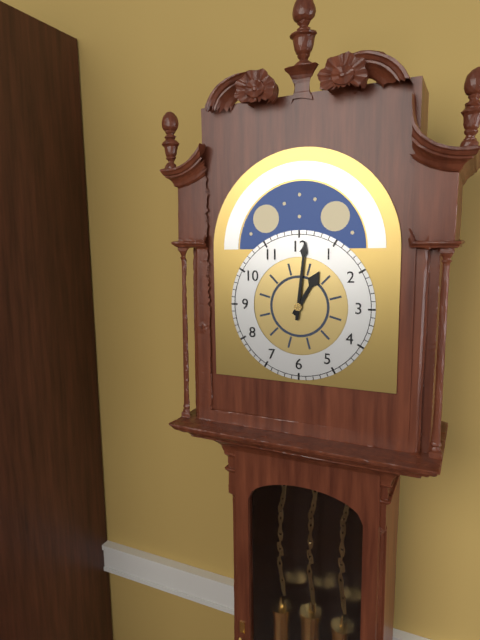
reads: 1,01
